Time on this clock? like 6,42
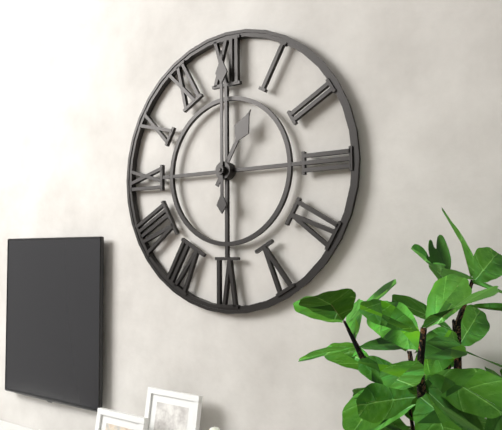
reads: 1,00
